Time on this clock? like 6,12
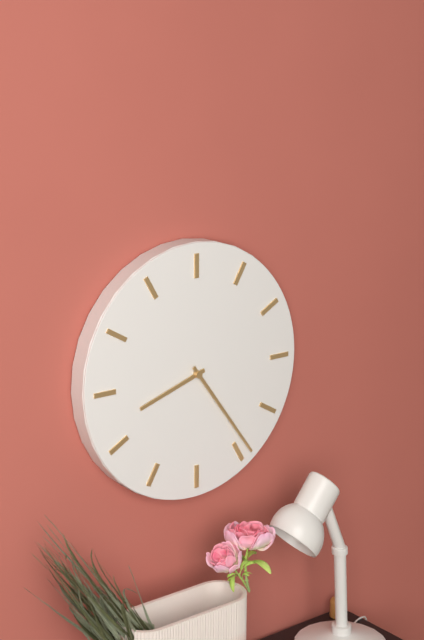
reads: 8,24
